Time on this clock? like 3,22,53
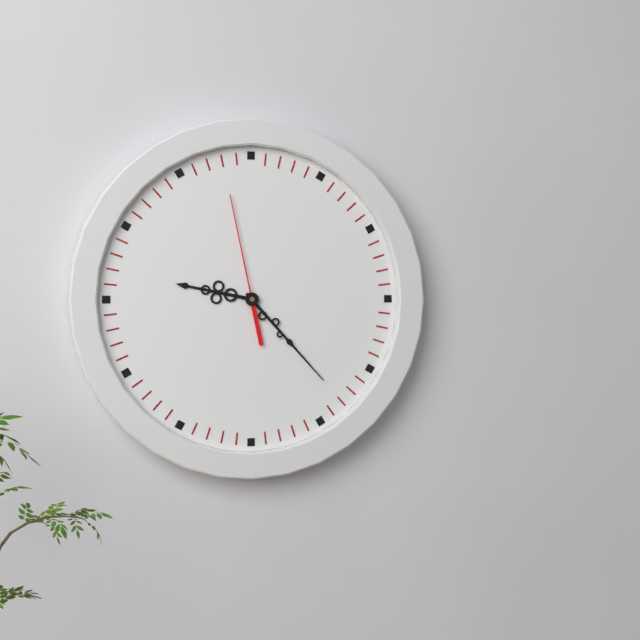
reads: 9,23,58
